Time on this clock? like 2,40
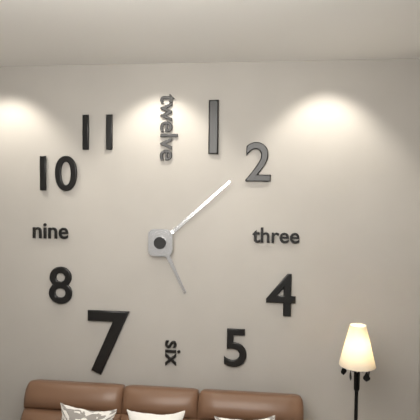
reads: 5,08
